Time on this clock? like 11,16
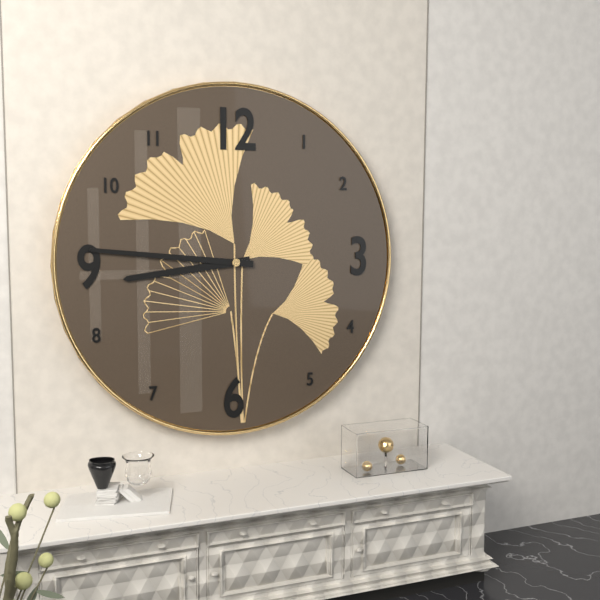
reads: 8,46
